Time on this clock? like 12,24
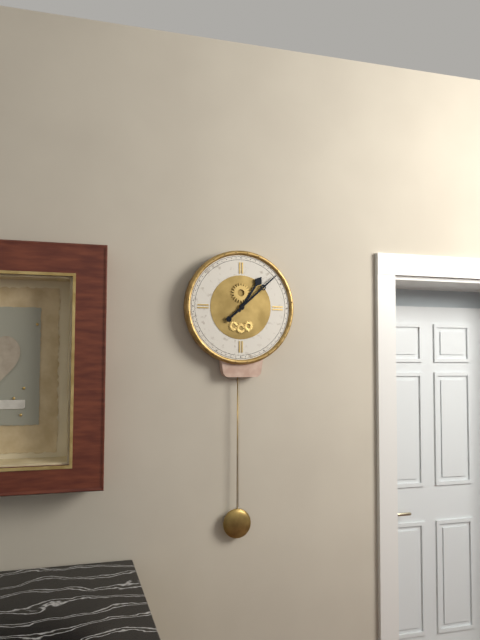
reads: 1,08
